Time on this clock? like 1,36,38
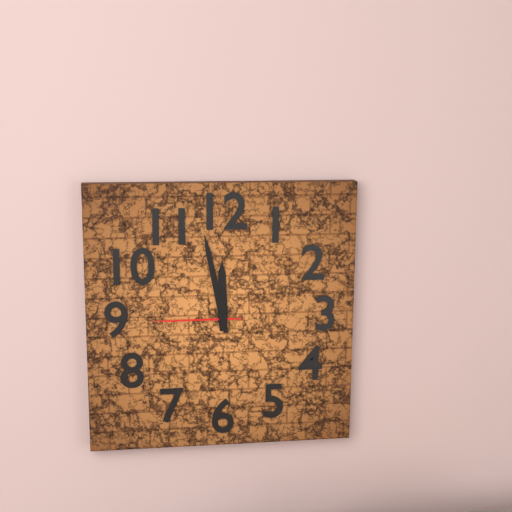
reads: 11,58,45
